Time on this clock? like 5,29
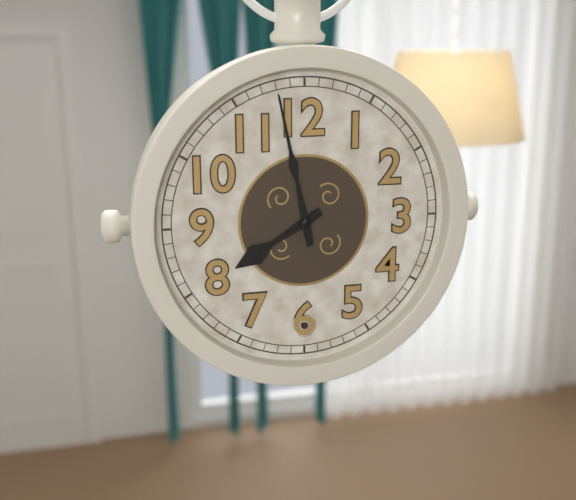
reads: 7,58
